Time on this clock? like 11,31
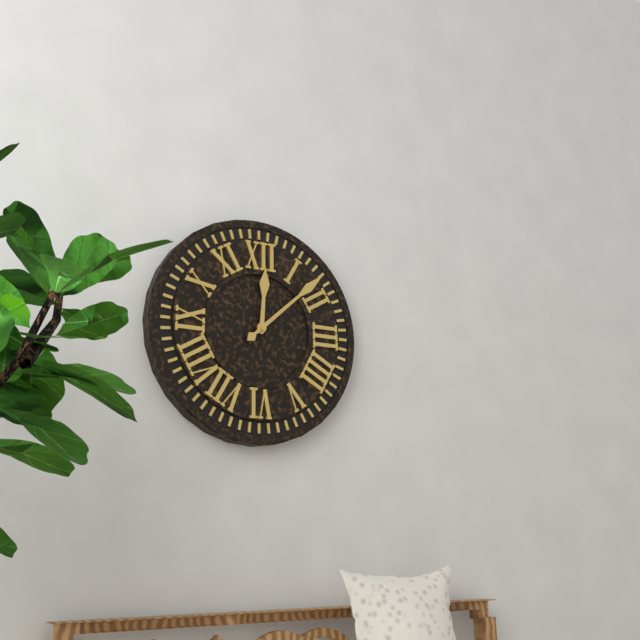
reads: 12,08
